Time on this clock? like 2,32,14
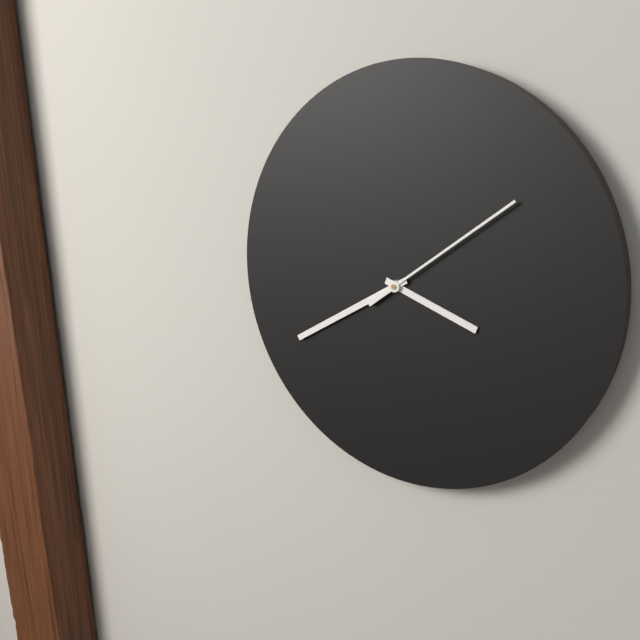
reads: 3,40,09
